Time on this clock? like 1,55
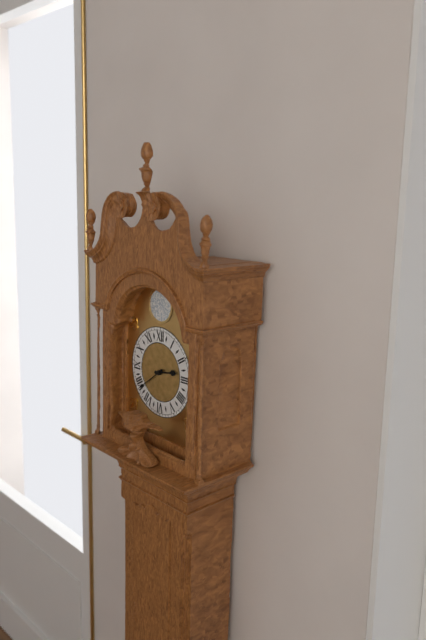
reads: 2,39
